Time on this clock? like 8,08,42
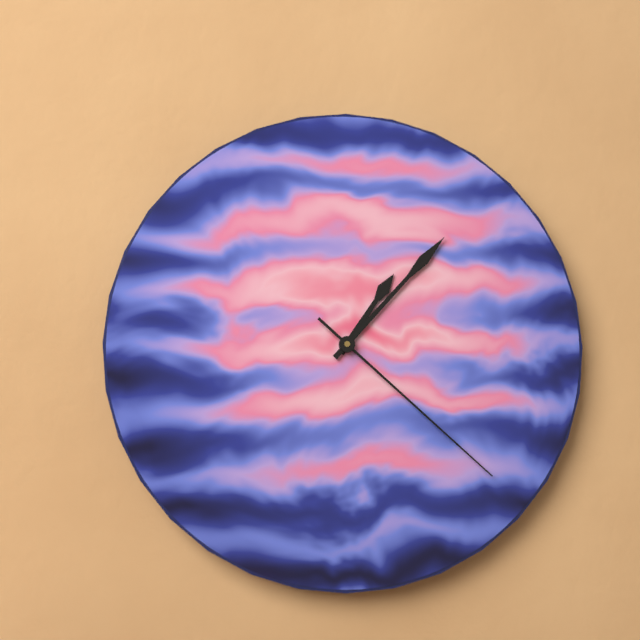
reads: 1,07,22
